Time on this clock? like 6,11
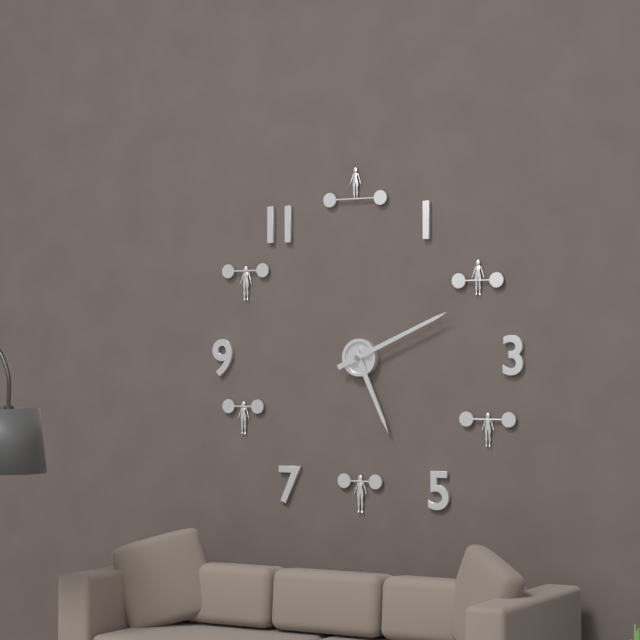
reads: 5,11
